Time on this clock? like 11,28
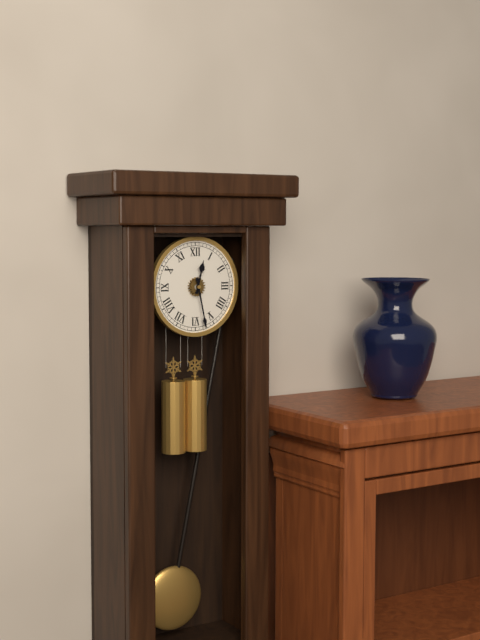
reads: 12,28
